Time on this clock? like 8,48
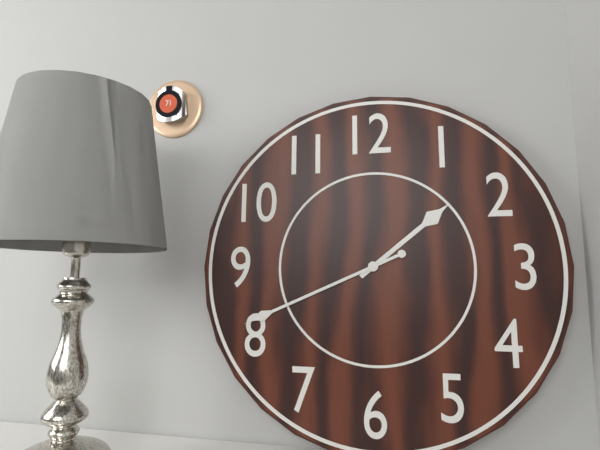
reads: 1,41
